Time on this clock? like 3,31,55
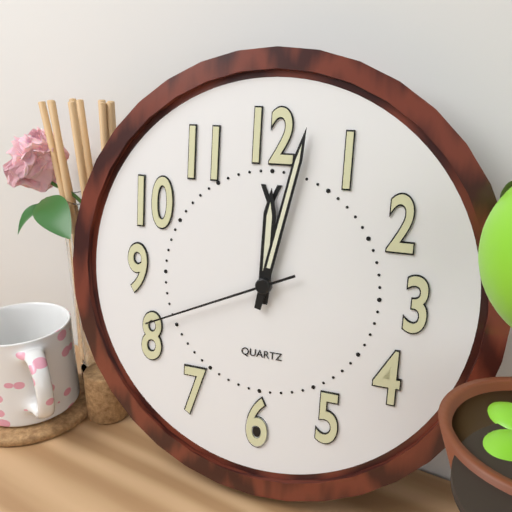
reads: 12,02,41
